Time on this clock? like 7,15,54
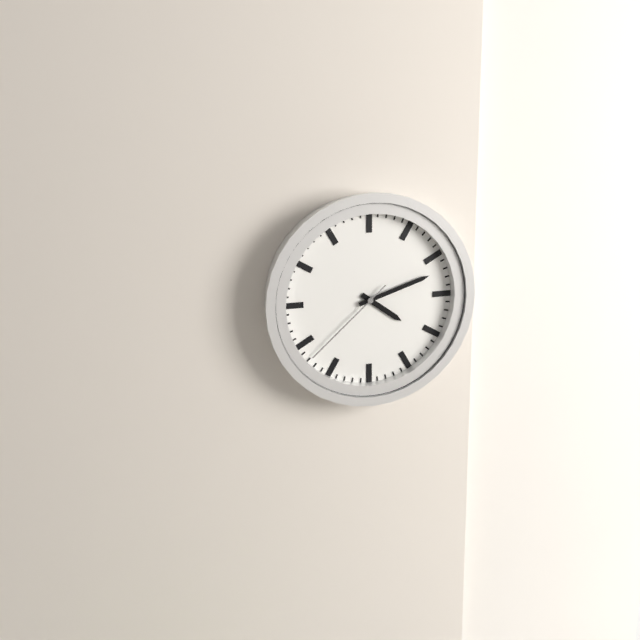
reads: 4,12,38
